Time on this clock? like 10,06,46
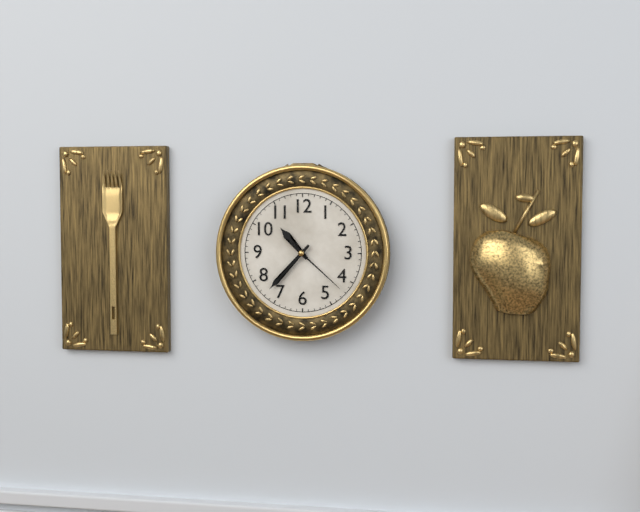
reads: 10,37,22
